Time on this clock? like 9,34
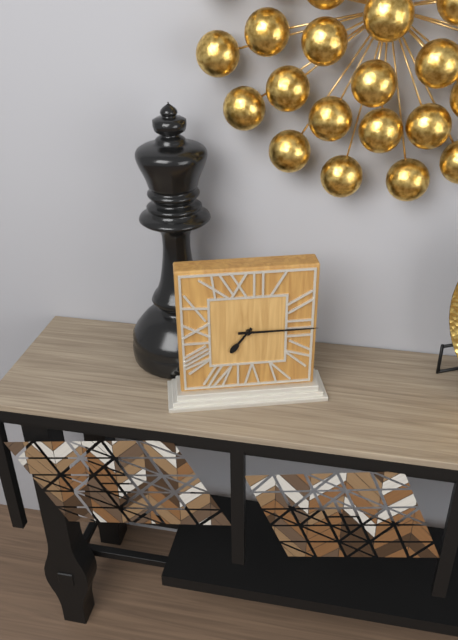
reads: 7,15
